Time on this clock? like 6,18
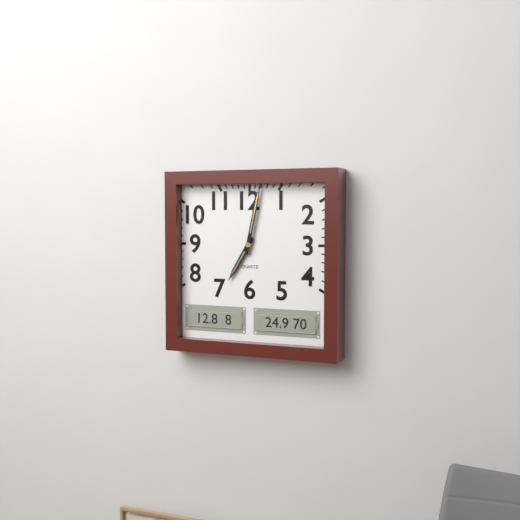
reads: 7,02
